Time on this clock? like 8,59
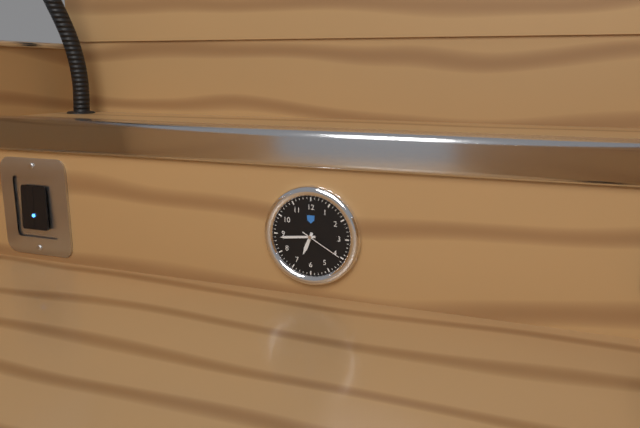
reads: 6,44
